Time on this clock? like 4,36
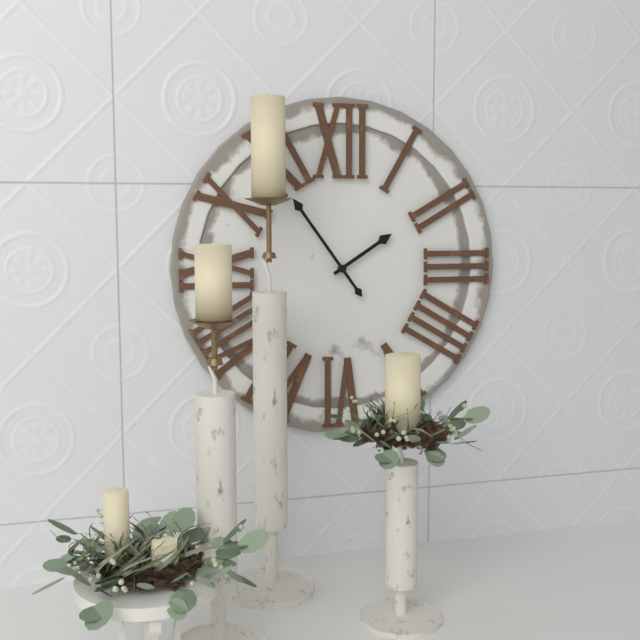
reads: 1,54
